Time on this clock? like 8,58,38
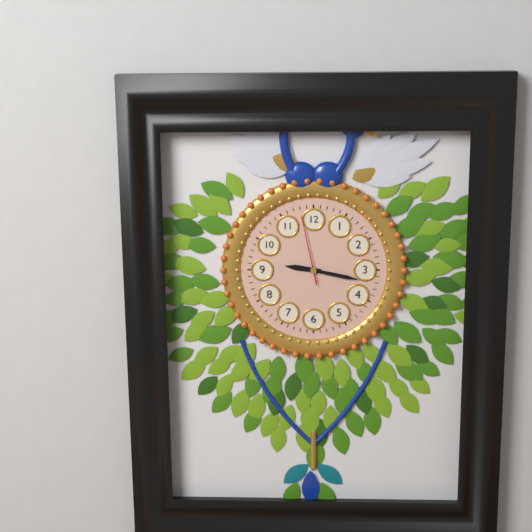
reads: 9,17,58
